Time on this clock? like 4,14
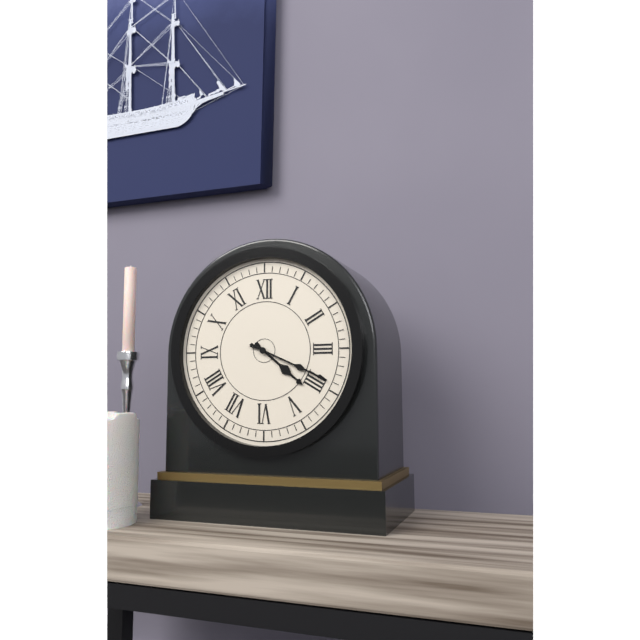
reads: 4,19
